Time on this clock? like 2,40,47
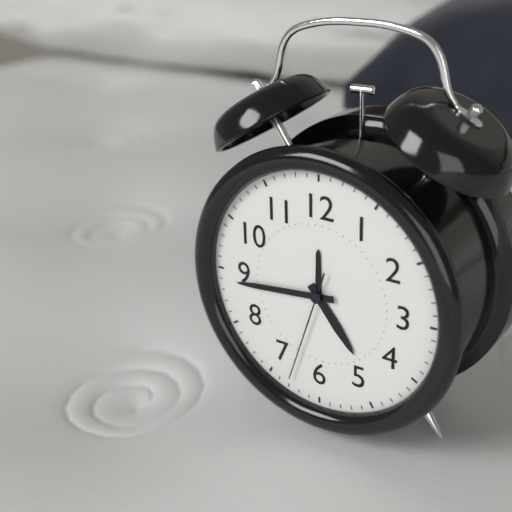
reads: 4,44,33
